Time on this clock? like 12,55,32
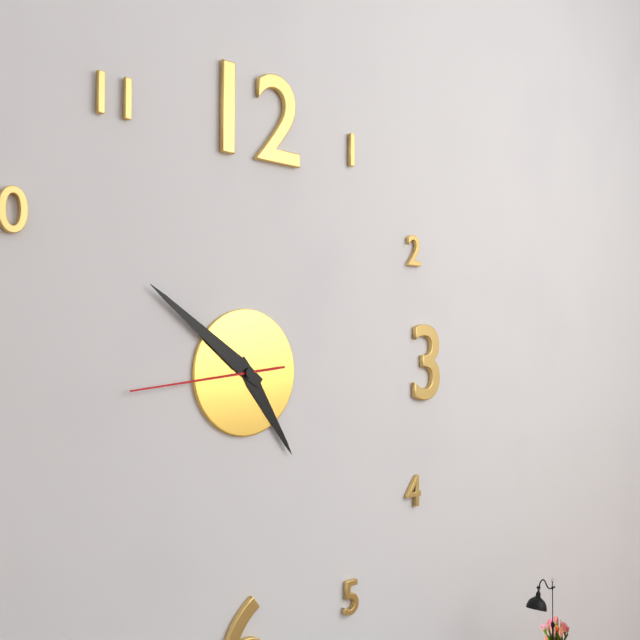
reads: 4,51,44
